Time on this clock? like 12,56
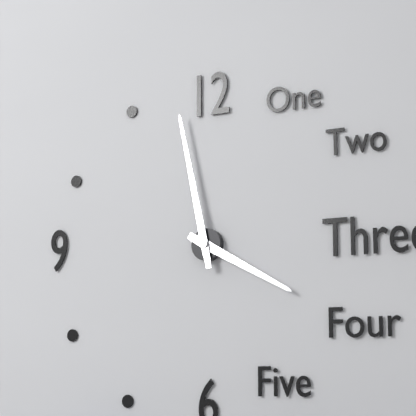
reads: 3,58
